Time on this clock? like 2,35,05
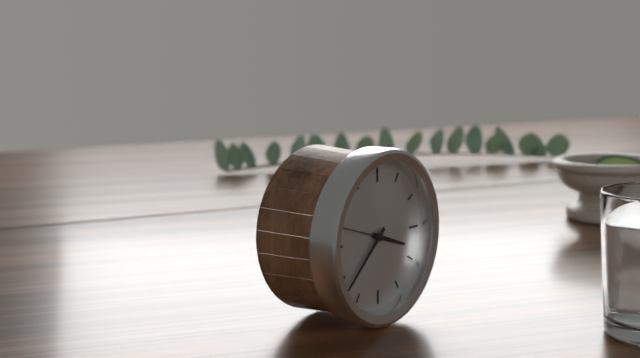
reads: 3,38,48
